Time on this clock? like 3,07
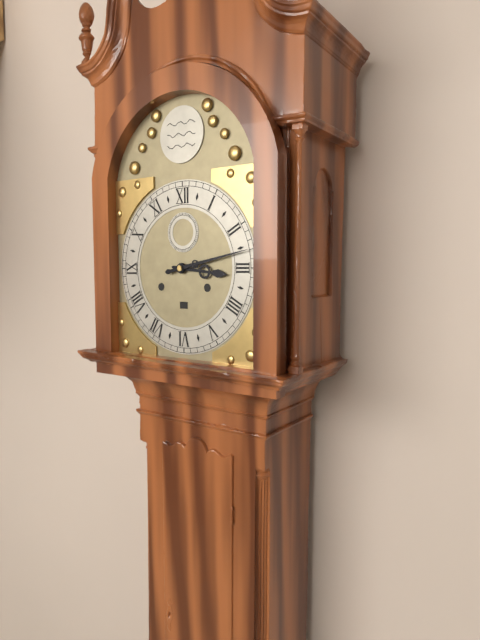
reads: 3,13
